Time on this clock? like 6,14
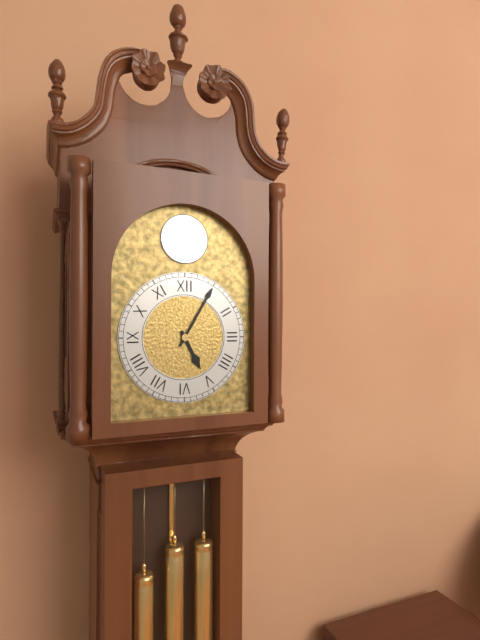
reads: 5,05
